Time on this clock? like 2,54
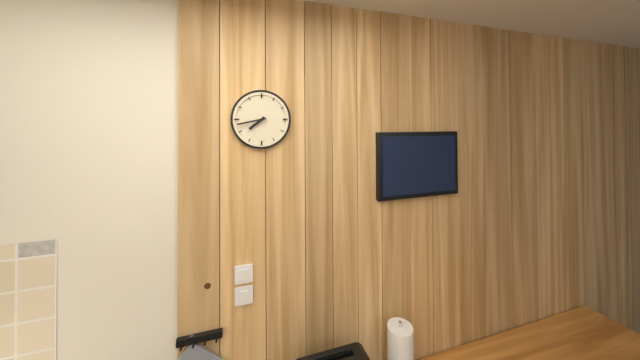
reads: 7,43
